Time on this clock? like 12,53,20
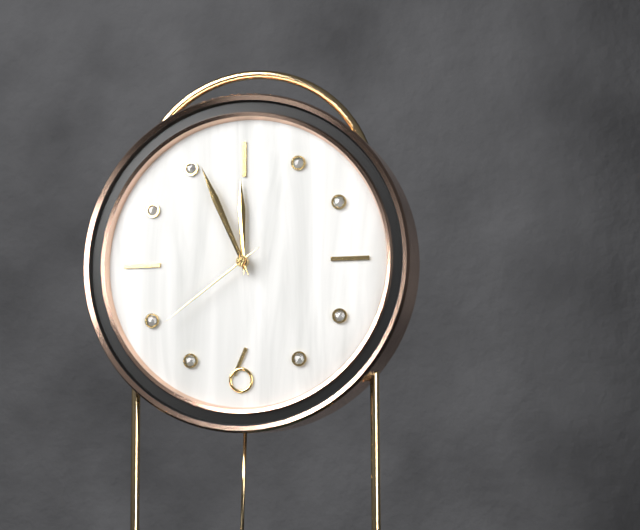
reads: 11,56,39
